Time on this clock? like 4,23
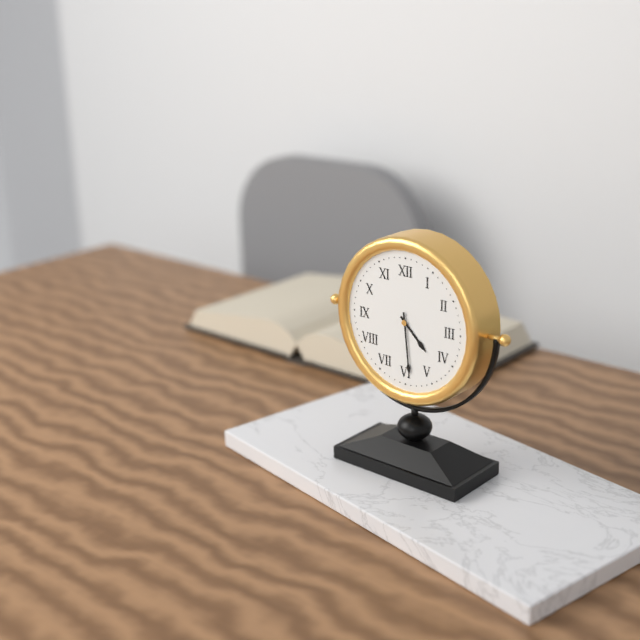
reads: 4,29
